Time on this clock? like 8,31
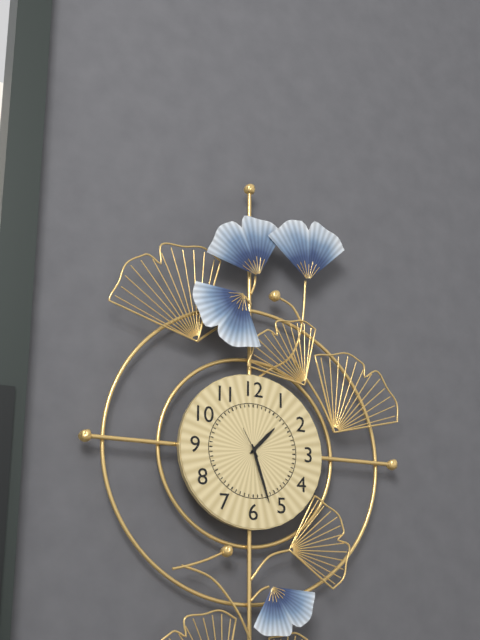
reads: 1,27
